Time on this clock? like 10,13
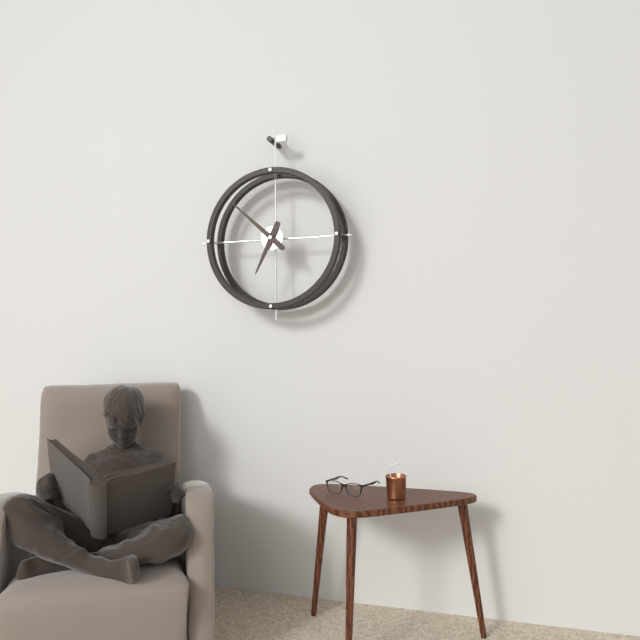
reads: 6,52
